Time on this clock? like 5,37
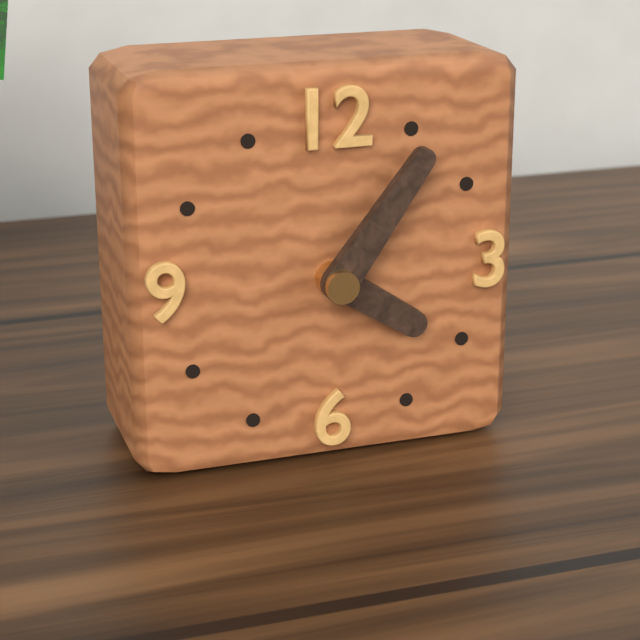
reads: 4,06
